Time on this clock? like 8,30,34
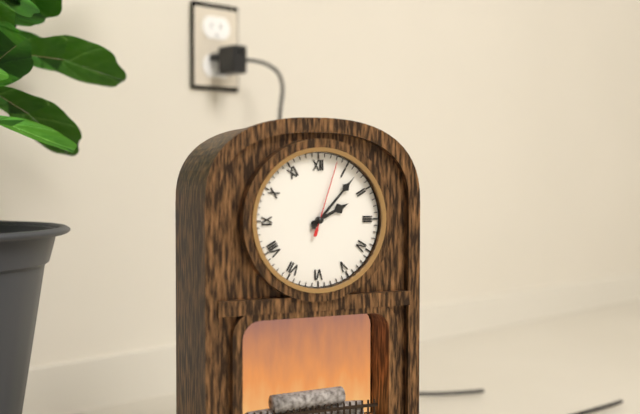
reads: 2,07,03
